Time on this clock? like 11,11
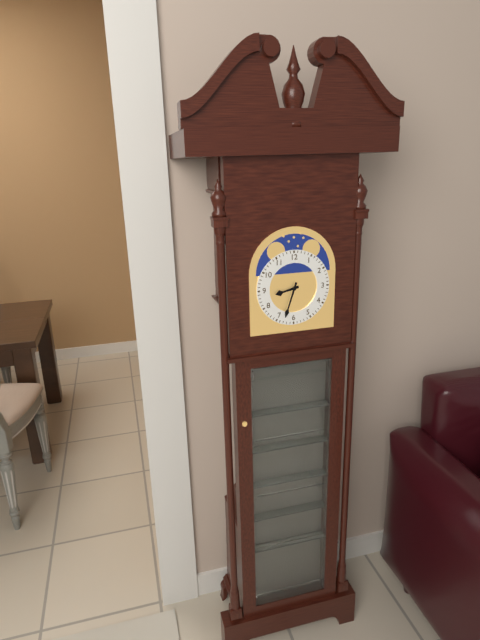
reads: 8,33
